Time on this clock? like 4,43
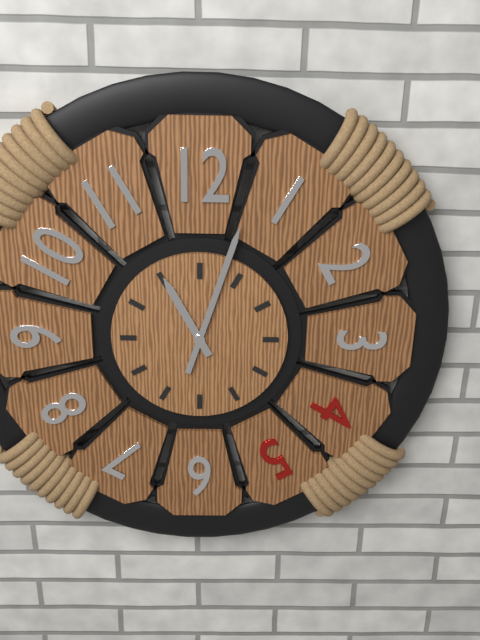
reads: 11,03
